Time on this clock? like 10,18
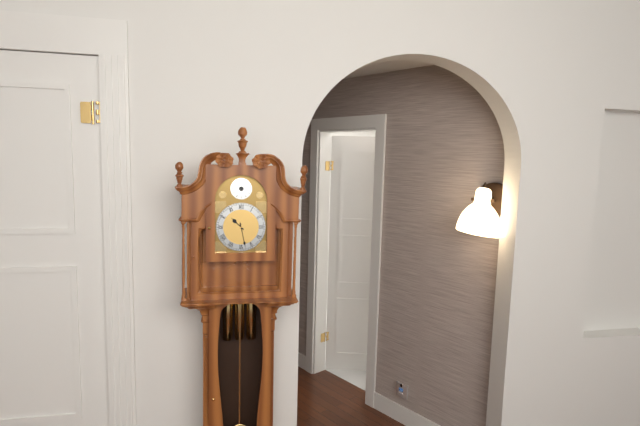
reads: 10,28
